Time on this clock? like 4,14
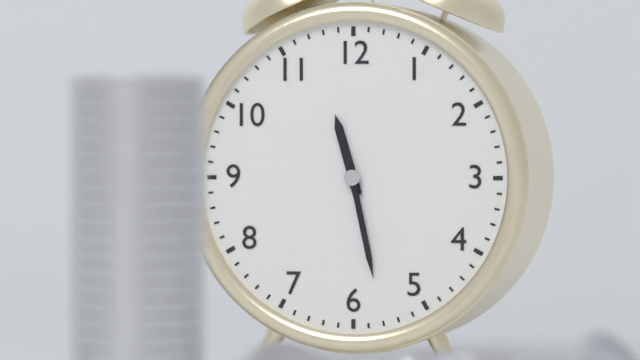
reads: 11,28
